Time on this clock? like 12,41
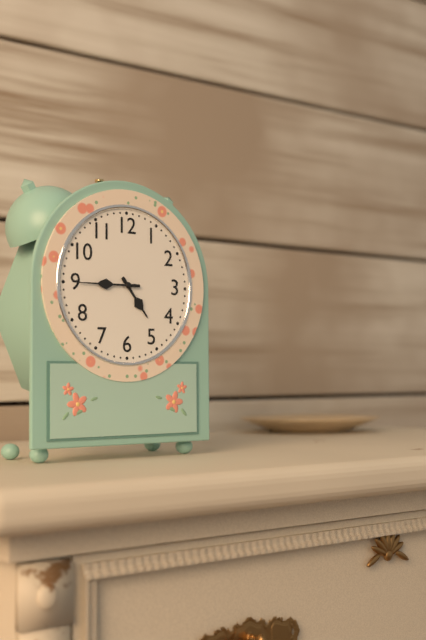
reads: 4,45
